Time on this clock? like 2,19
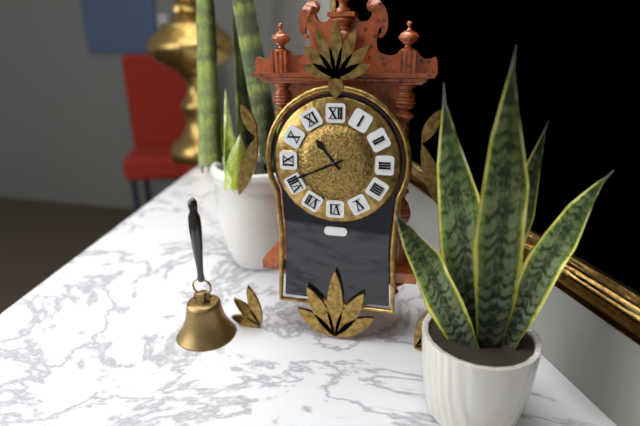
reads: 10,41
